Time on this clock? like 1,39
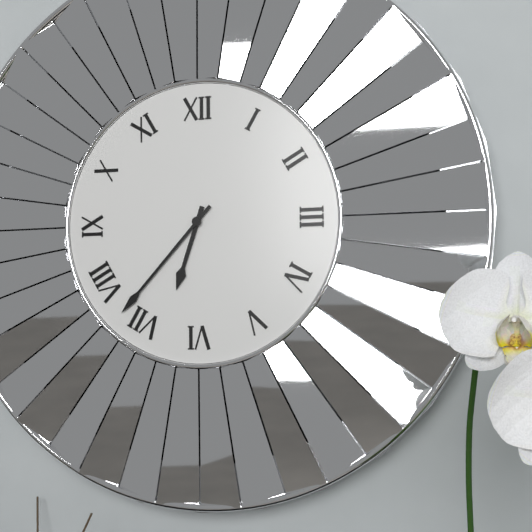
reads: 6,37
